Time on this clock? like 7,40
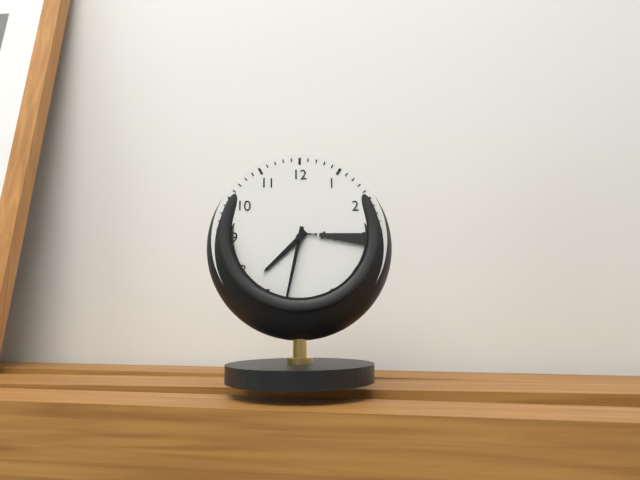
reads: 7,32
